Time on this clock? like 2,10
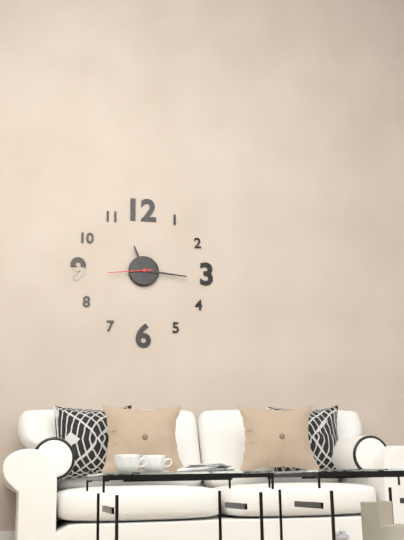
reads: 11,16
